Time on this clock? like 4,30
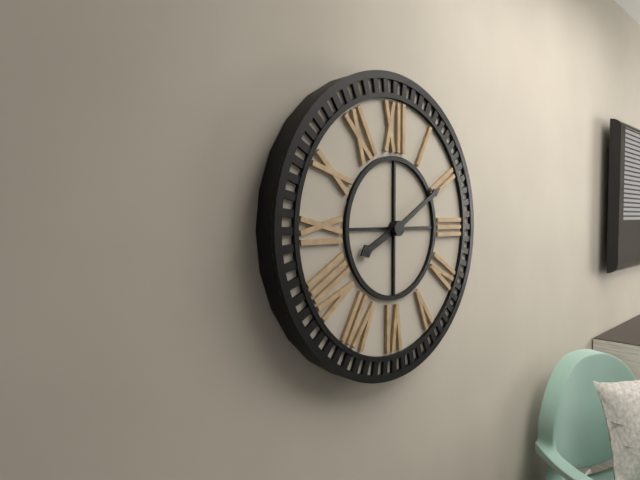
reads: 8,10
